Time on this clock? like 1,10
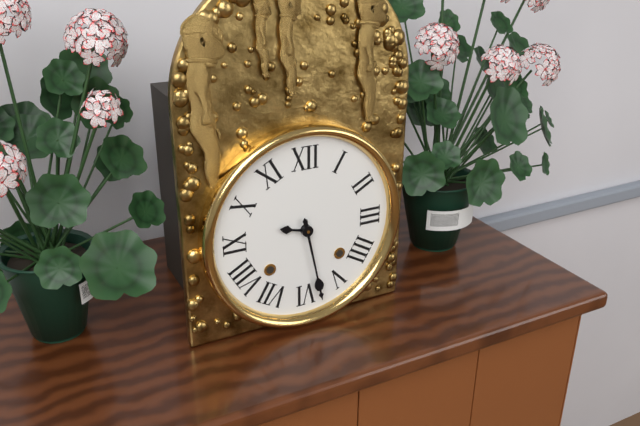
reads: 9,28
